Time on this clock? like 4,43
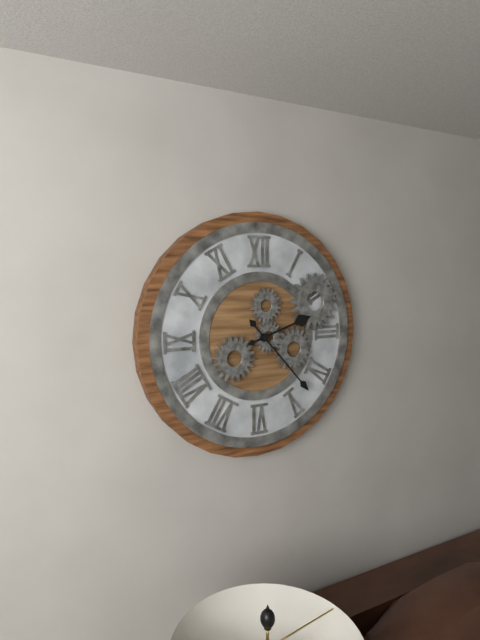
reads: 2,23
